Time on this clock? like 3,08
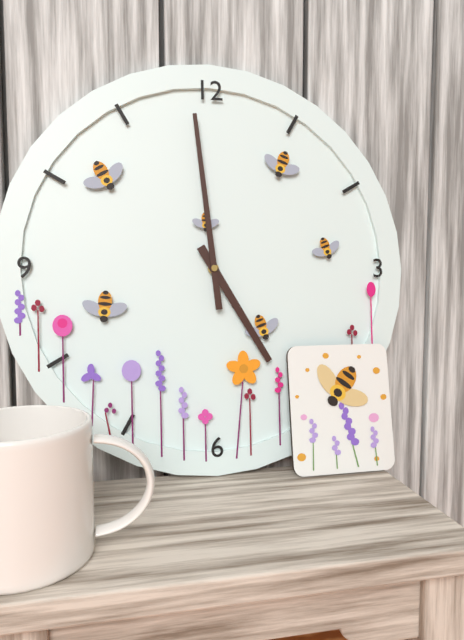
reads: 4,59
